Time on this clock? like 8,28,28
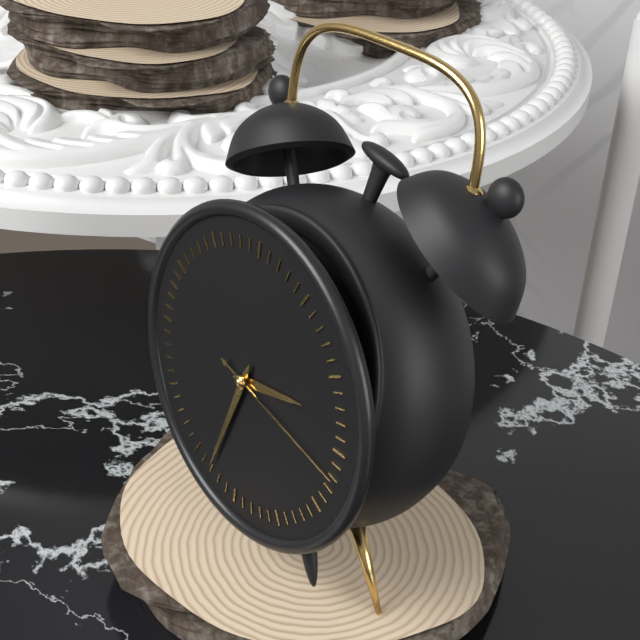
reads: 2,33,17
